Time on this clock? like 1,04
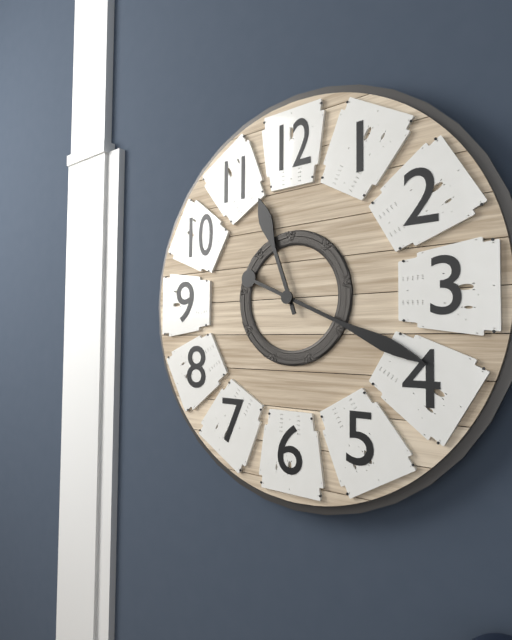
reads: 11,19
